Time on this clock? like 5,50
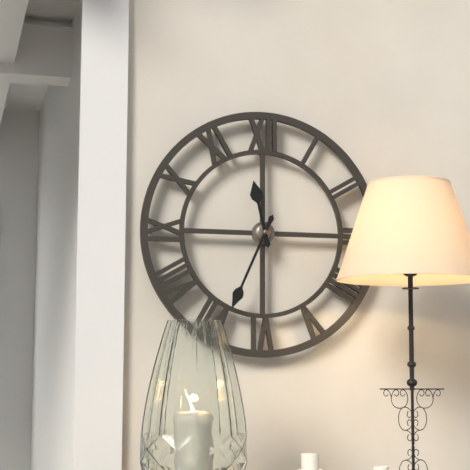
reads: 11,34
